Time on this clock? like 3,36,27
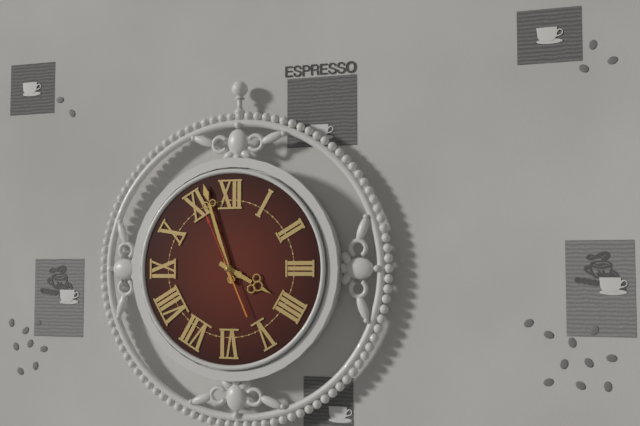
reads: 3,57,56
